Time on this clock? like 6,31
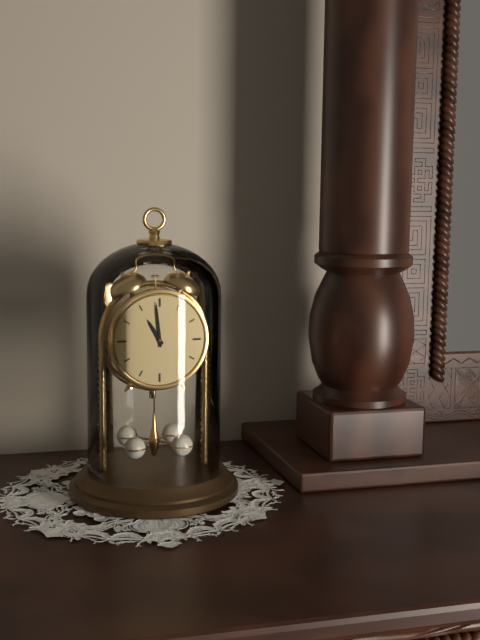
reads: 10,59
